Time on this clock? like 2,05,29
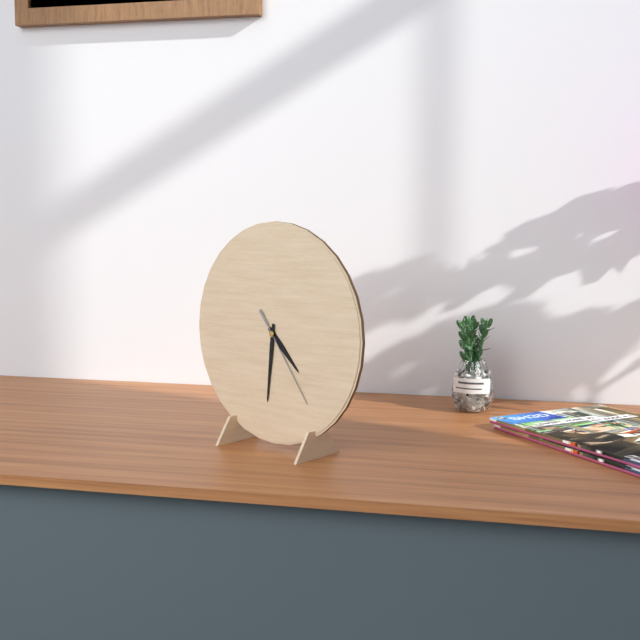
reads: 4,31,24
